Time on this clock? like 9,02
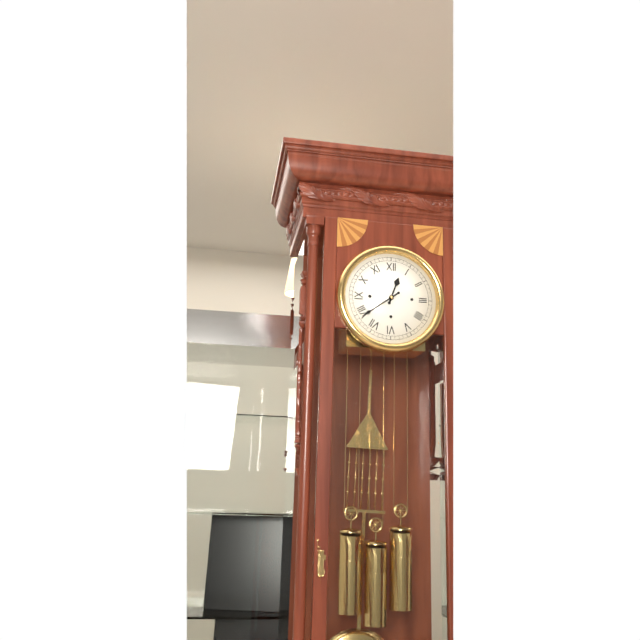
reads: 12,39
